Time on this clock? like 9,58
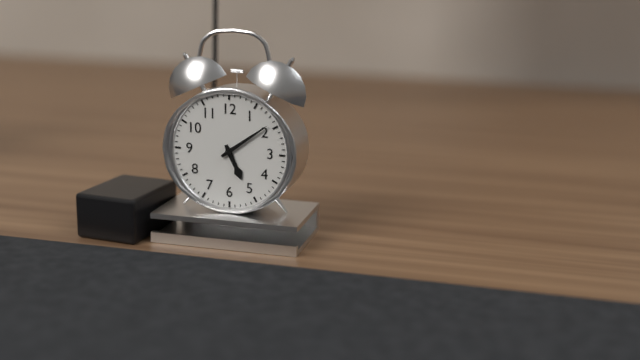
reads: 5,09
